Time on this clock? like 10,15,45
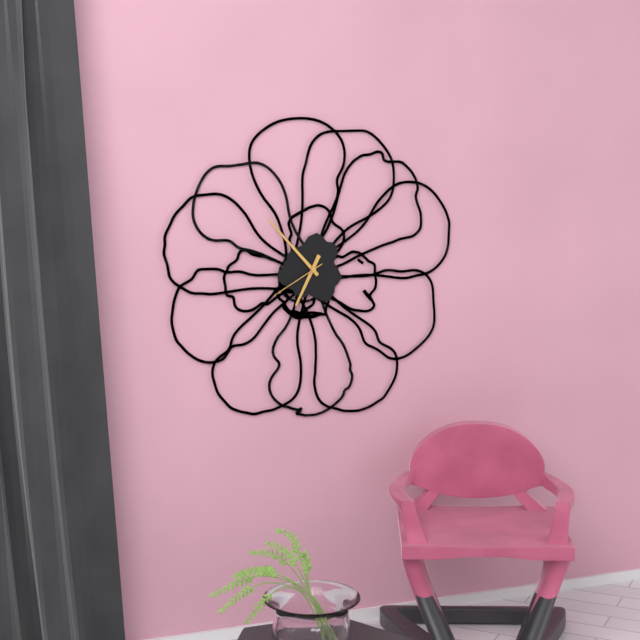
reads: 6,53,40
